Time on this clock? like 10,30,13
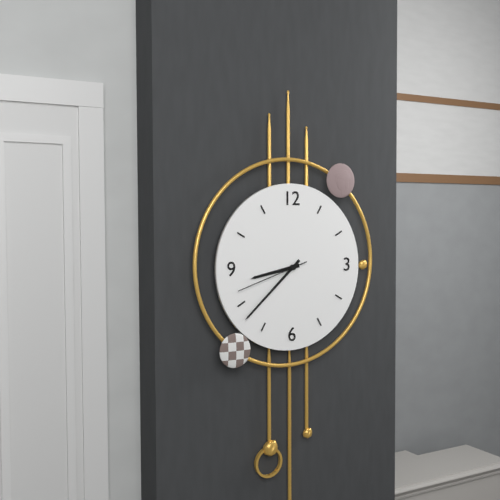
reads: 8,38,42
